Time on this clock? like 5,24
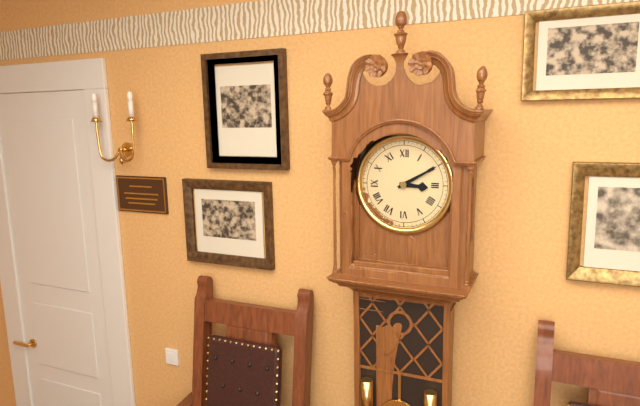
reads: 3,10
